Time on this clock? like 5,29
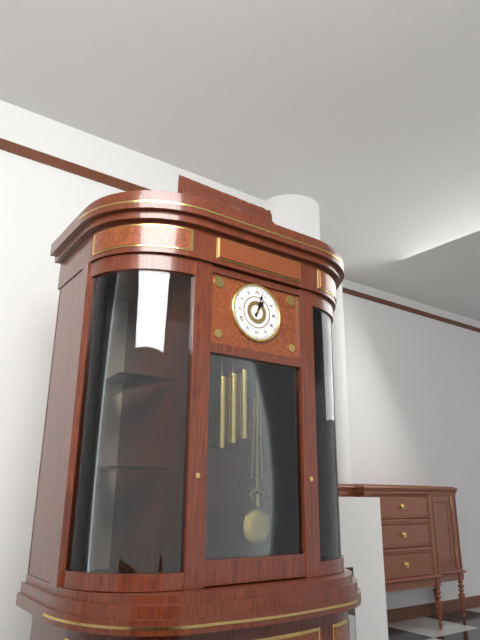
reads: 1,03
